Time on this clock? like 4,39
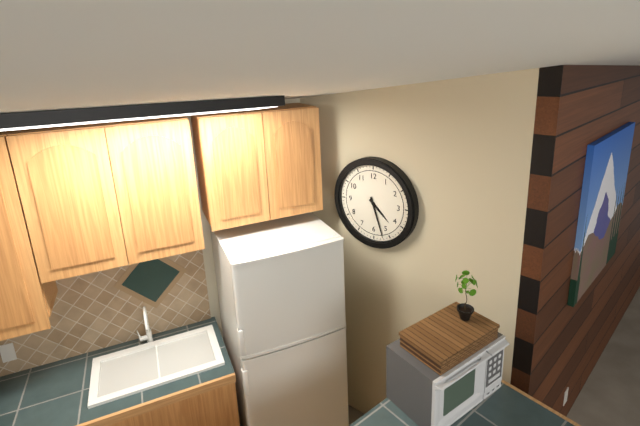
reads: 4,27
